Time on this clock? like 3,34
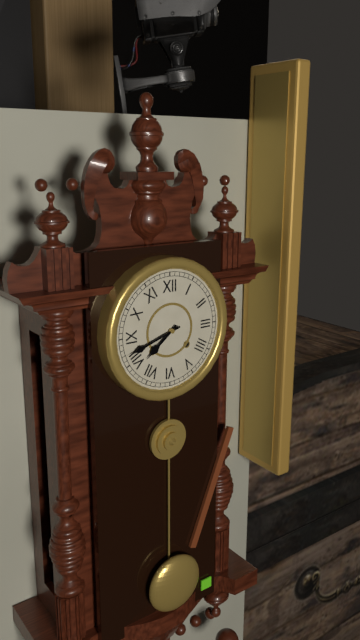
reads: 7,42
